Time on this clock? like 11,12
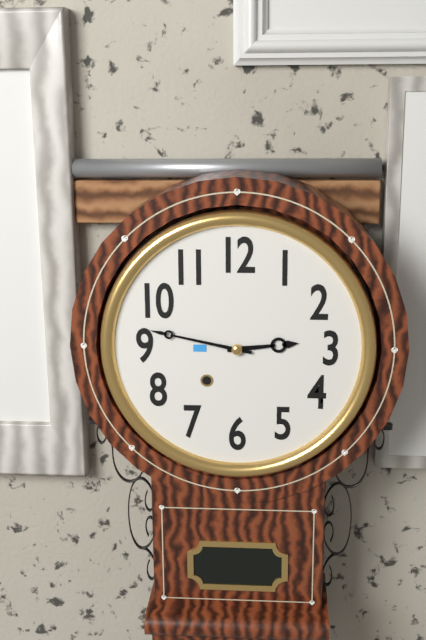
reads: 2,47
